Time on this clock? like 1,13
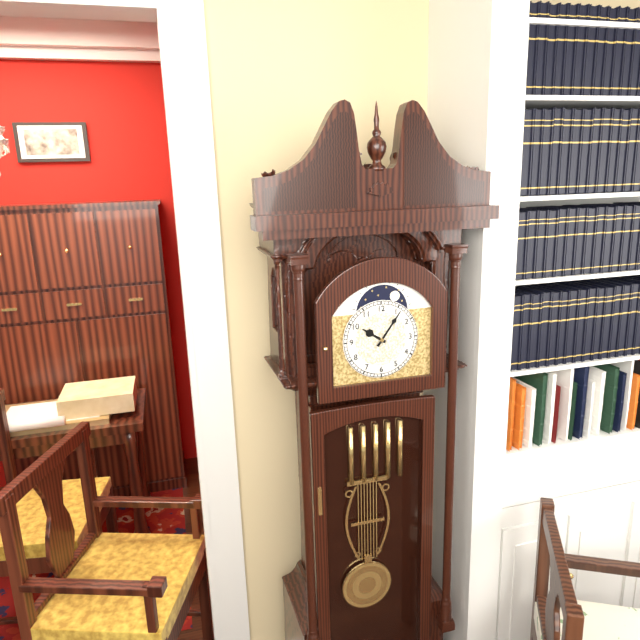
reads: 10,06
